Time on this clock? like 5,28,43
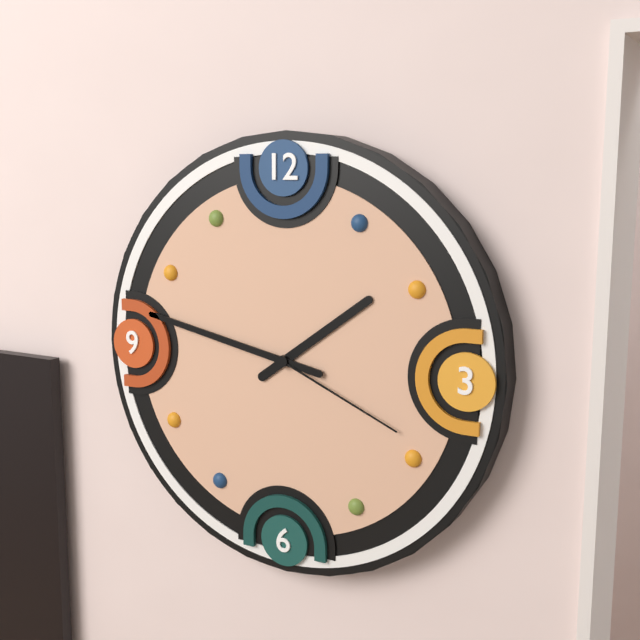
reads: 1,47,19
